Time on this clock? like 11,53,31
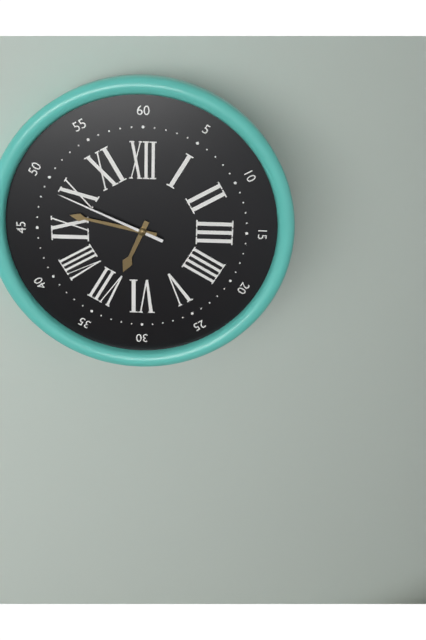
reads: 6,47,49
